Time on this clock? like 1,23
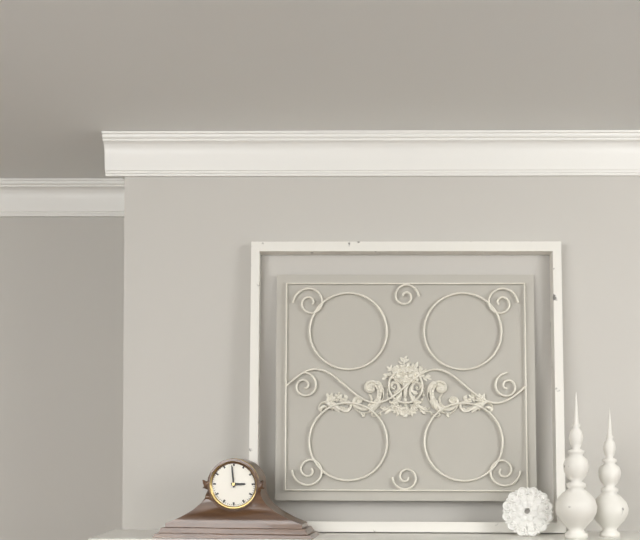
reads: 2,59
